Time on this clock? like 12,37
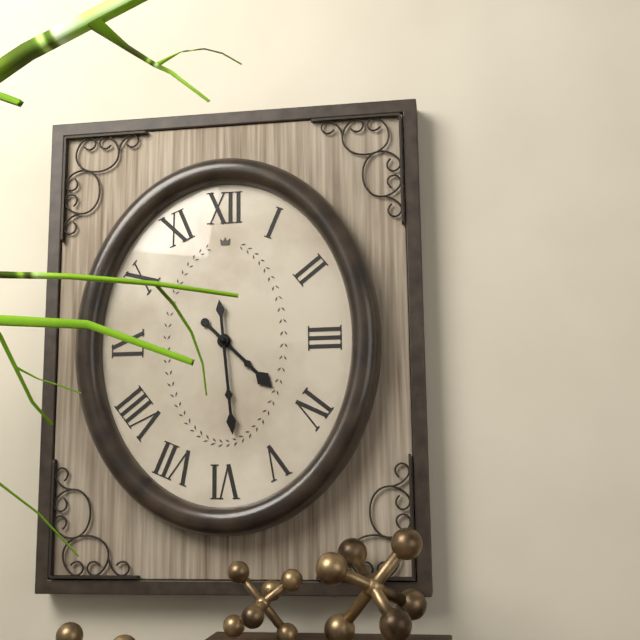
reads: 4,29
